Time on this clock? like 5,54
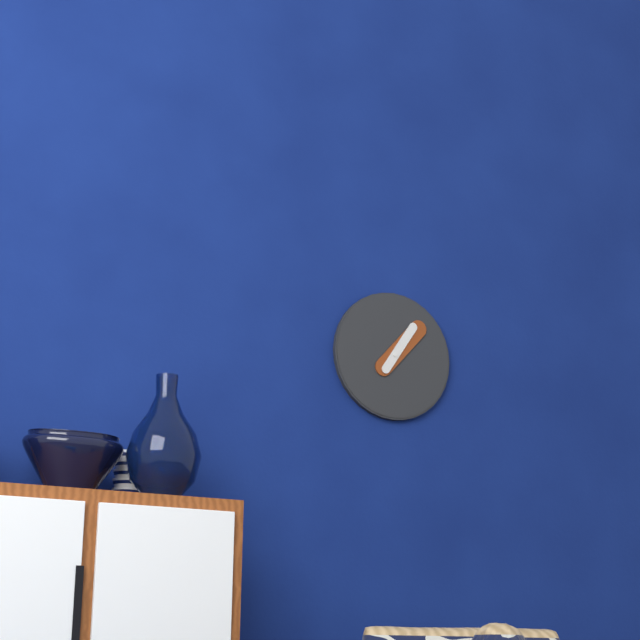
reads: 1,07
